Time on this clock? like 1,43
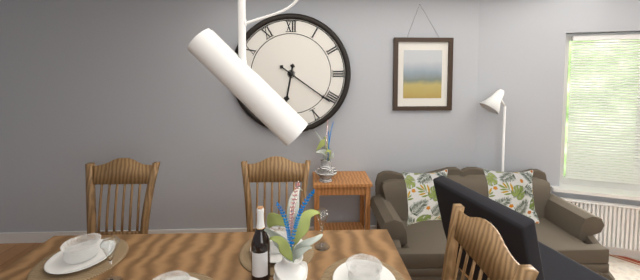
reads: 6,21
